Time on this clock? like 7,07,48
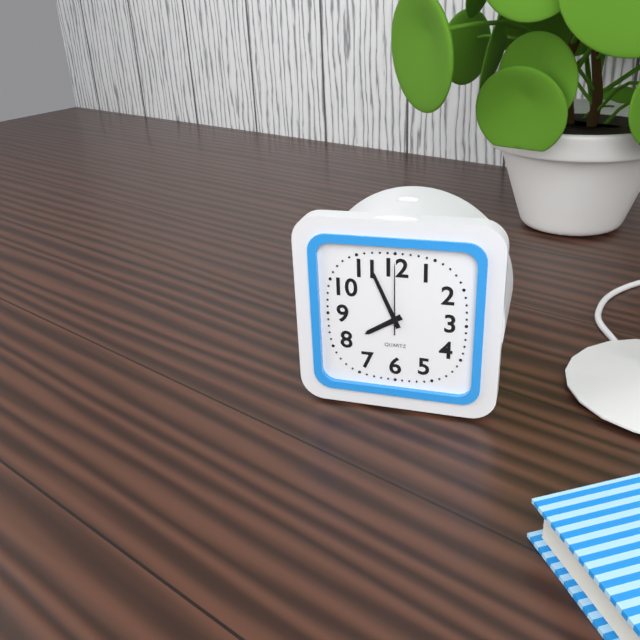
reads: 7,56,00
